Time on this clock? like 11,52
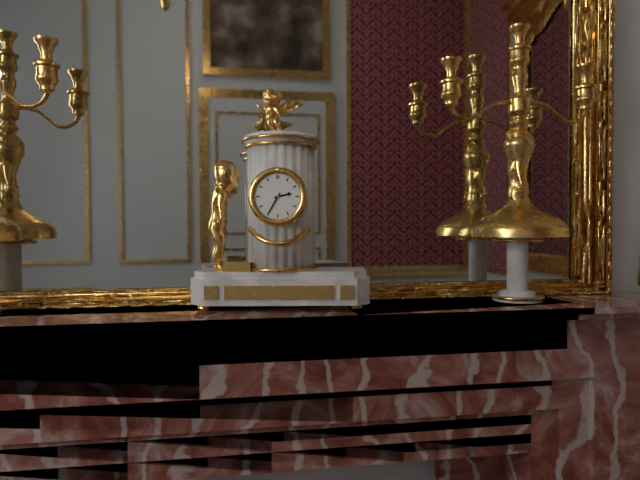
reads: 2,35
